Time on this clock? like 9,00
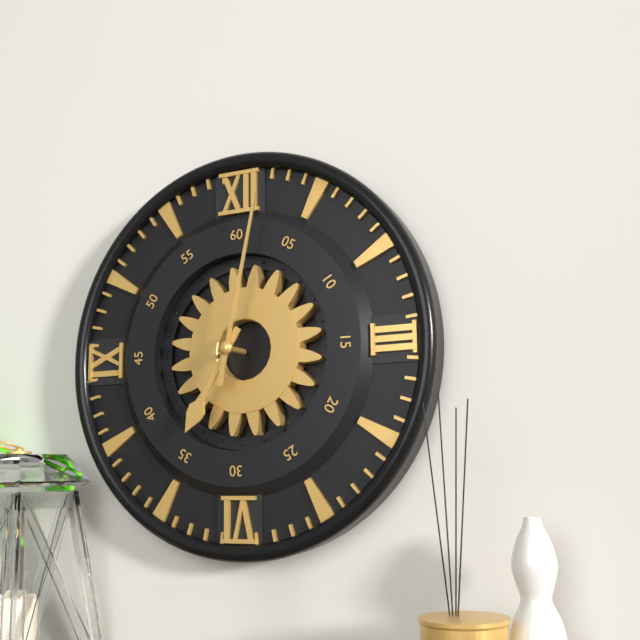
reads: 7,02
